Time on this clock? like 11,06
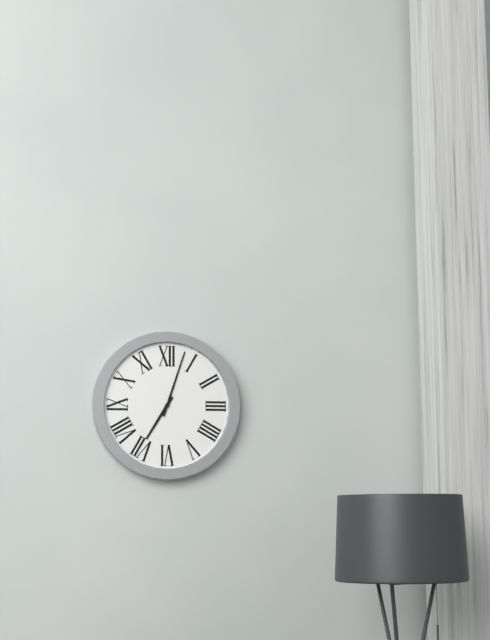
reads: 7,03
